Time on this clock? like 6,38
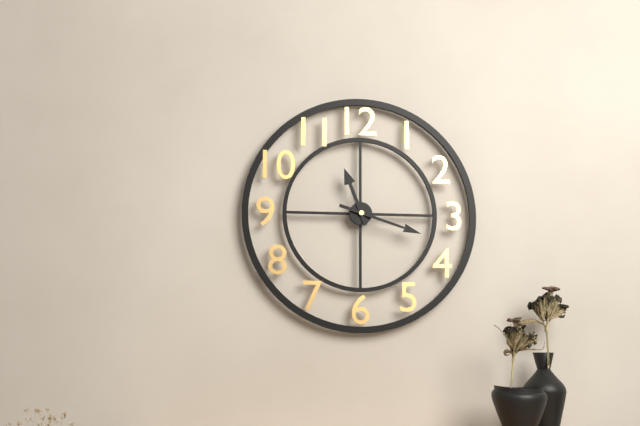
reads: 11,18
